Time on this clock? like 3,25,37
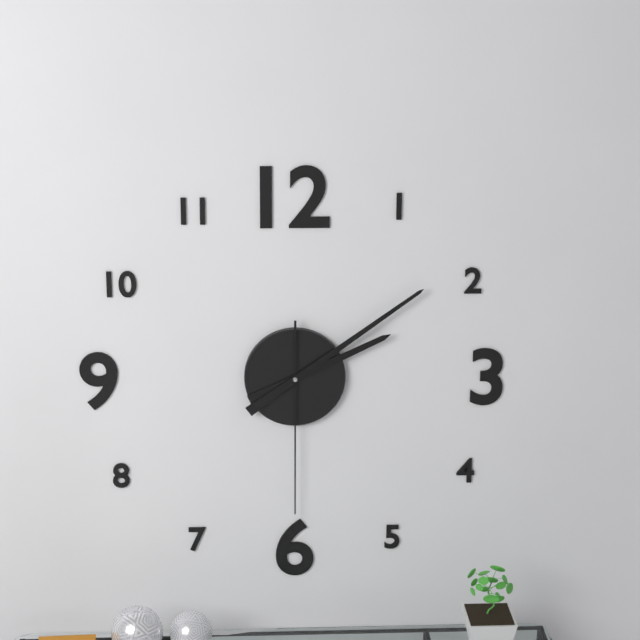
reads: 2,09,30
